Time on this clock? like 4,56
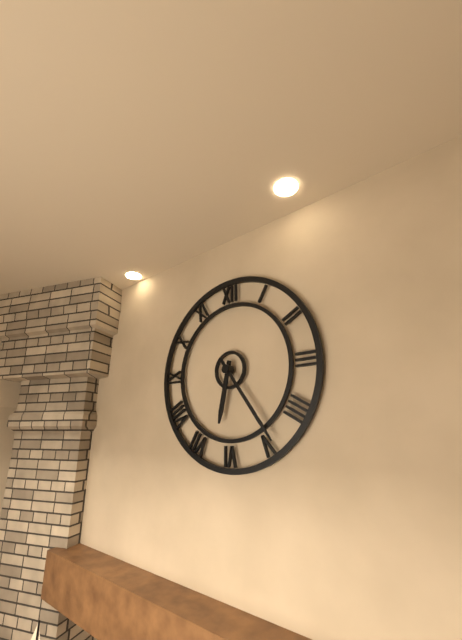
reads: 6,24
